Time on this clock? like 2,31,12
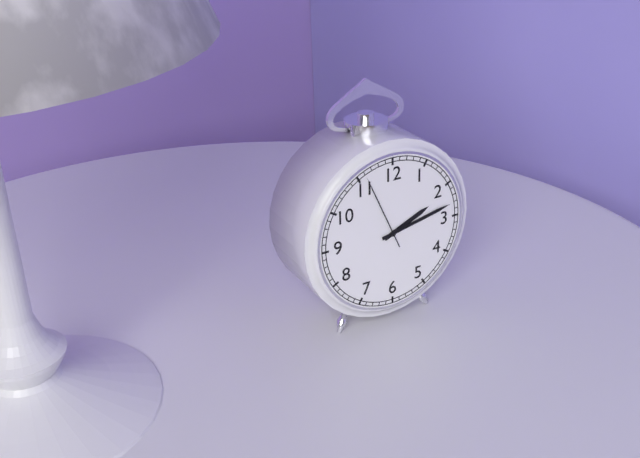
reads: 2,13,56
